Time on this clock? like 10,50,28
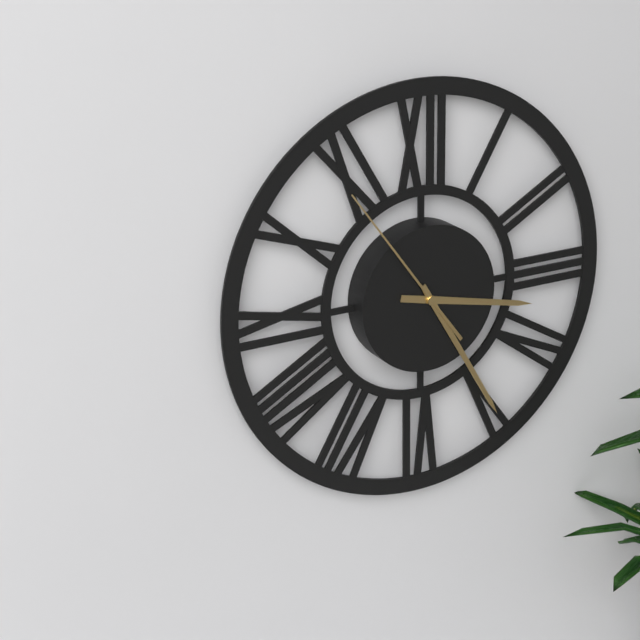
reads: 3,25,54
